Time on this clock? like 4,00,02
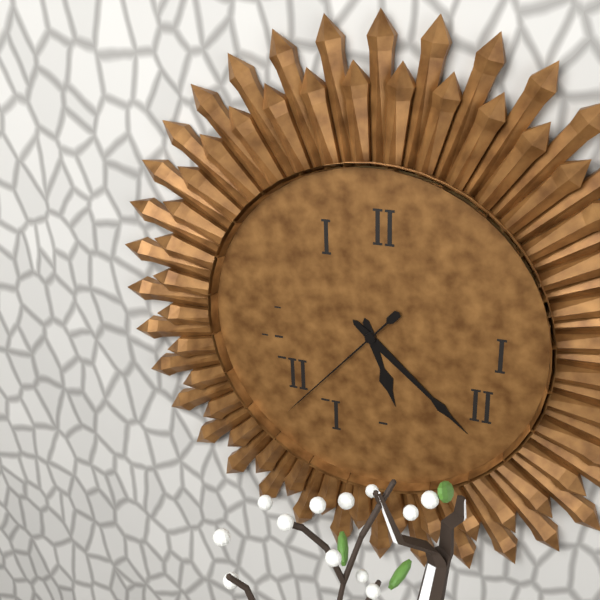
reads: 5,22,37
